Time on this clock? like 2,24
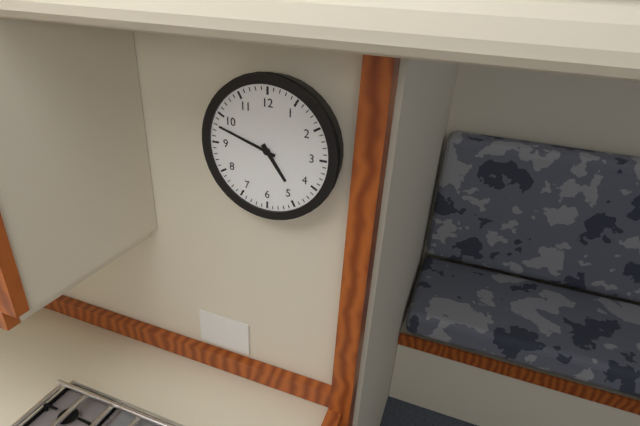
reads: 4,48
